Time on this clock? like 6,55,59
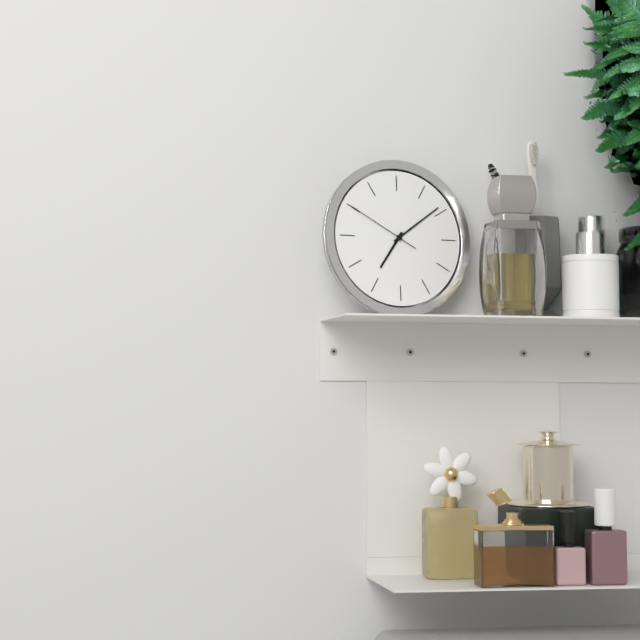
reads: 7,09,50
